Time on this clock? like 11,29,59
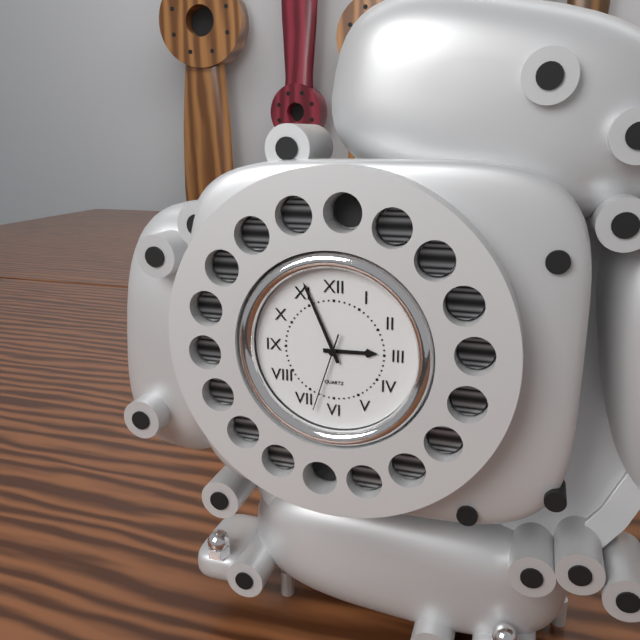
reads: 2,56,33
